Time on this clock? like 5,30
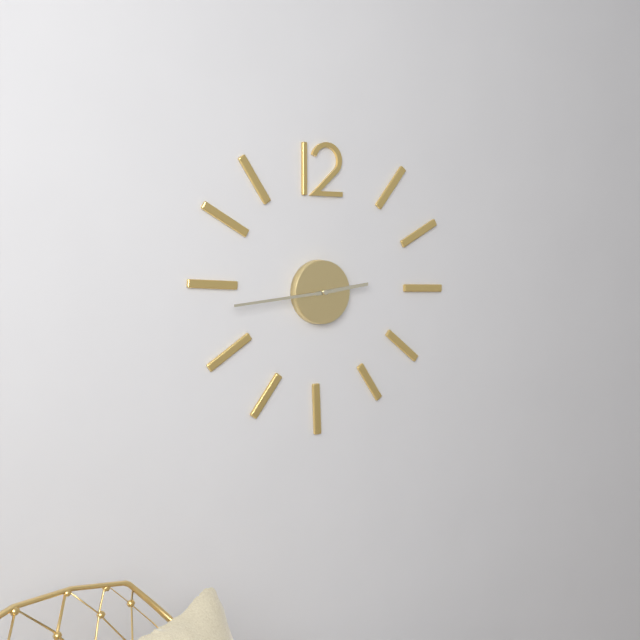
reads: 2,44
